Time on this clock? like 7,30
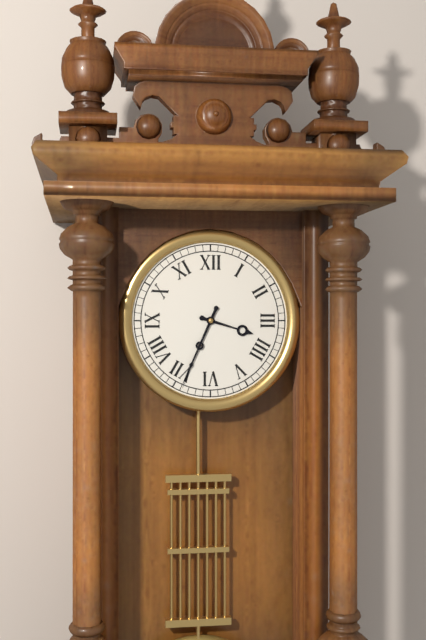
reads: 3,34
